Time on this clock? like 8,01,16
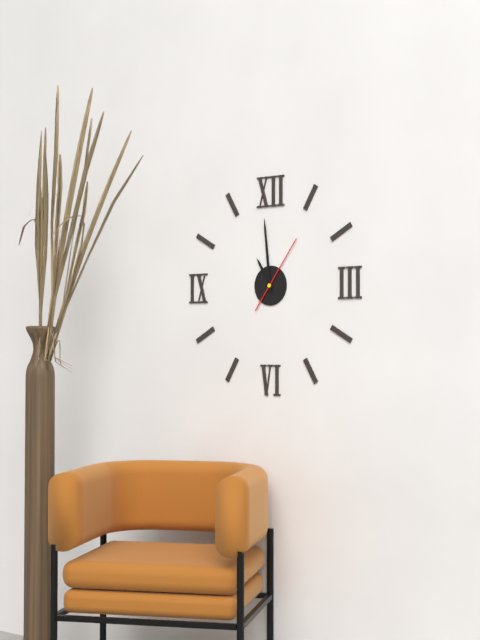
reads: 10,59,06
